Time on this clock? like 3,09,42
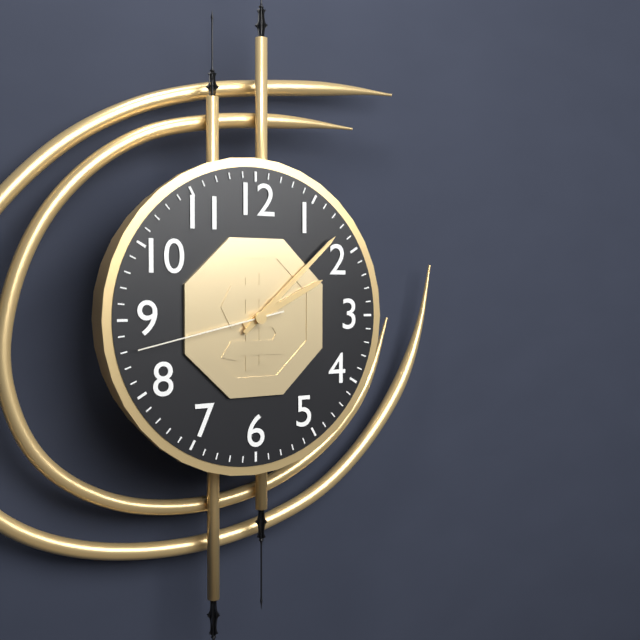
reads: 2,08,43
